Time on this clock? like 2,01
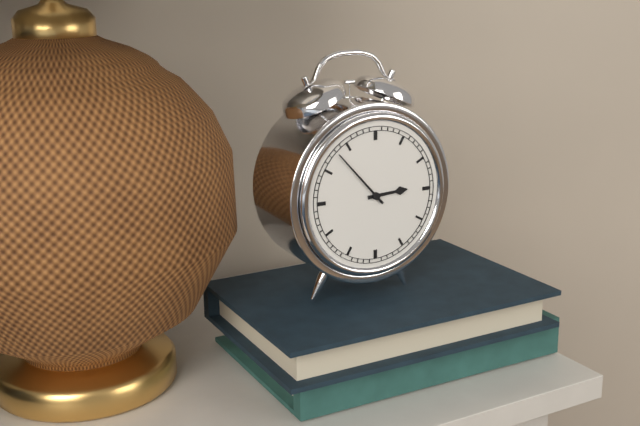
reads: 2,53
